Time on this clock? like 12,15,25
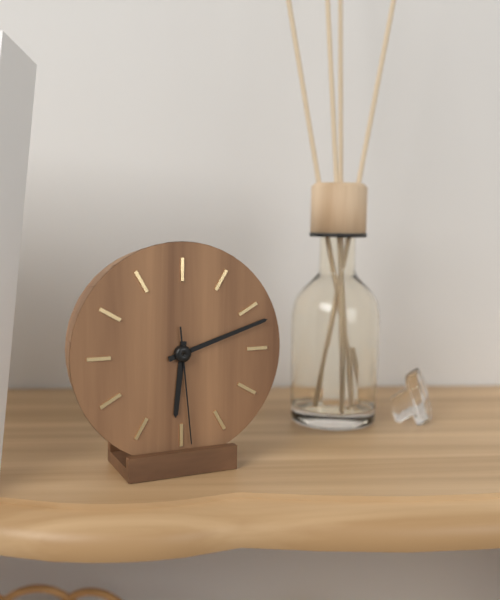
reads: 6,12,29
